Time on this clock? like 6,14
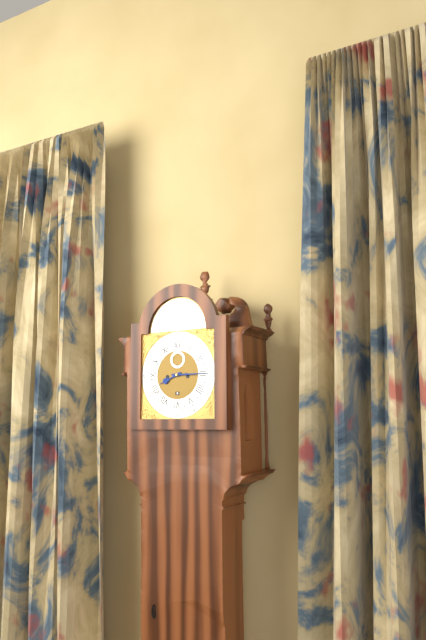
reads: 8,15
